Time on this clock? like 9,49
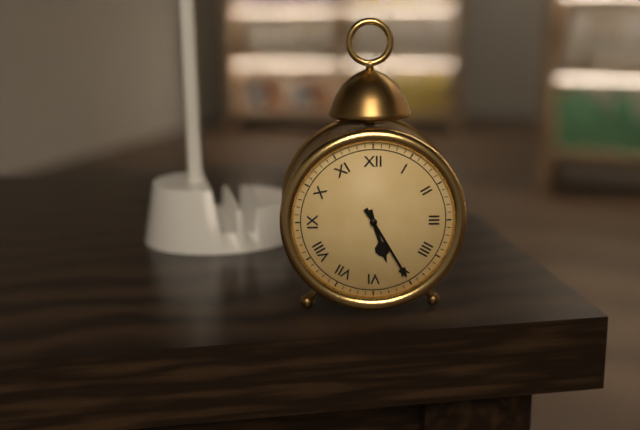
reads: 5,25
